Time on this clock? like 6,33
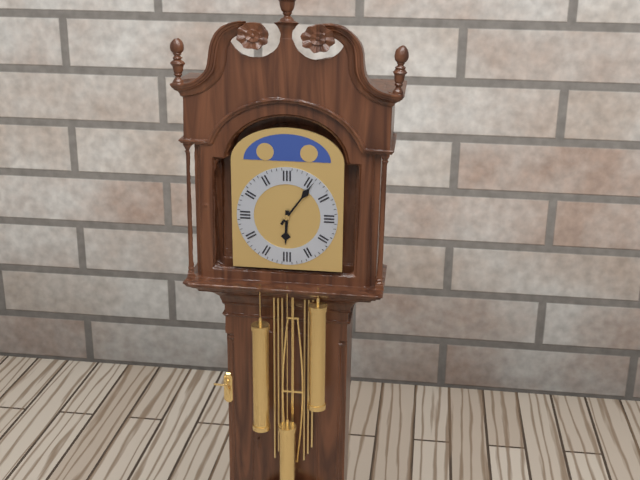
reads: 6,06
